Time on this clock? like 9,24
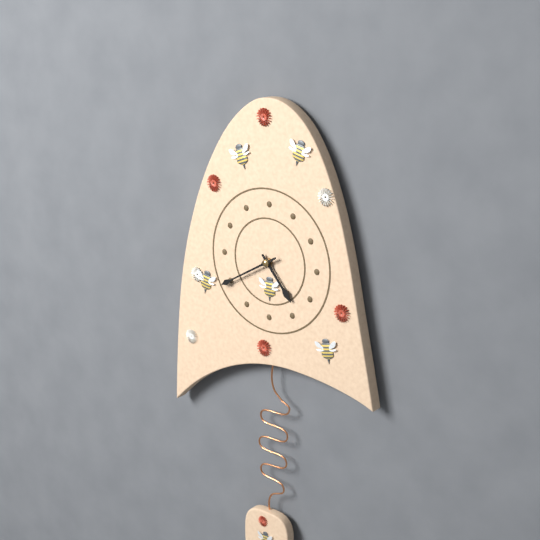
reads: 4,40
